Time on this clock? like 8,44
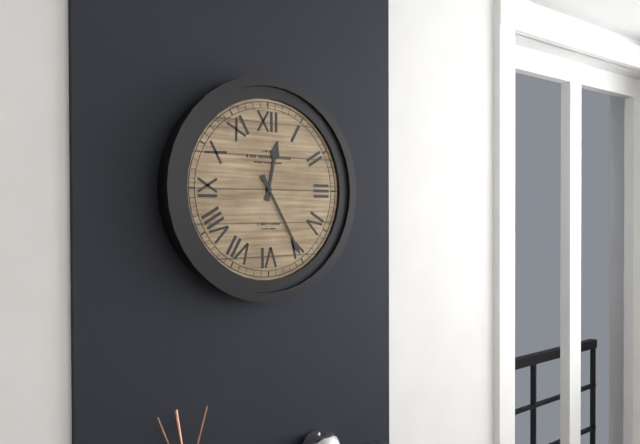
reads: 12,25
